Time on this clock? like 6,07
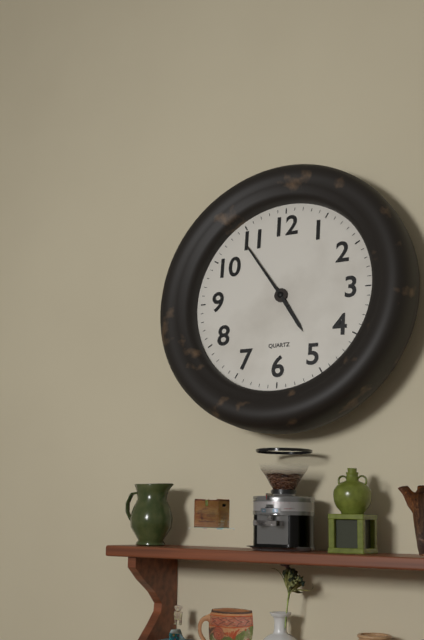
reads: 4,54
